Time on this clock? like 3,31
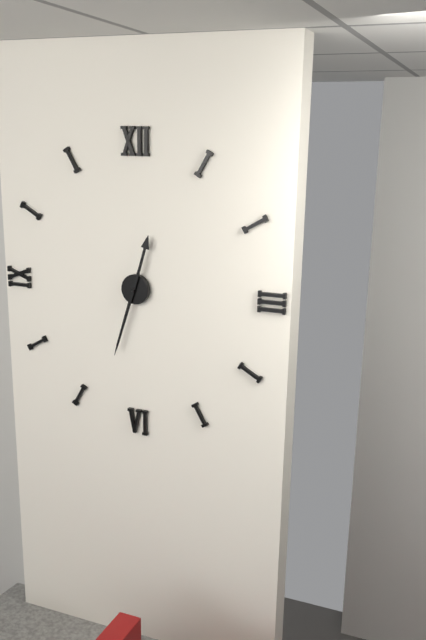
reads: 12,33
